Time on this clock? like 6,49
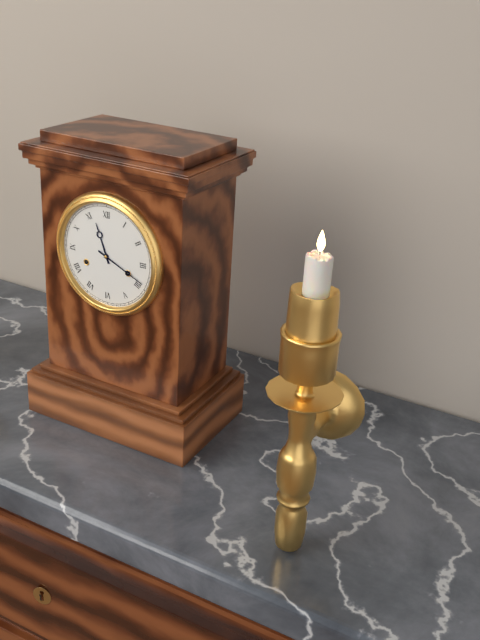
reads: 11,19
